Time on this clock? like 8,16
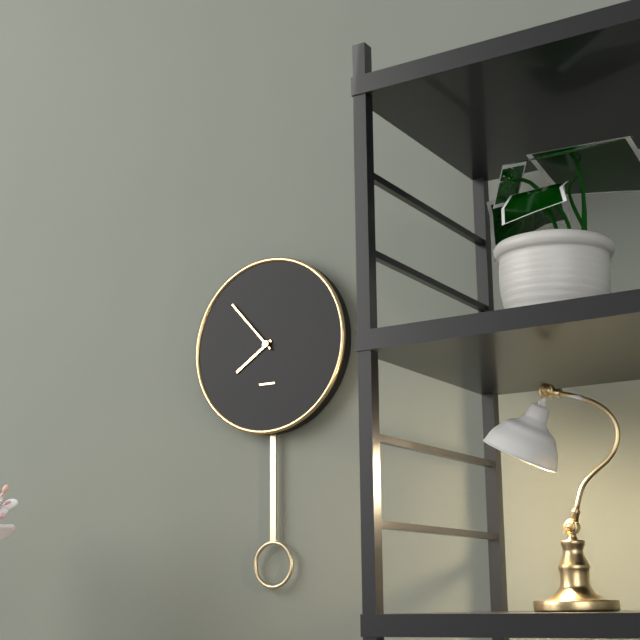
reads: 7,53
